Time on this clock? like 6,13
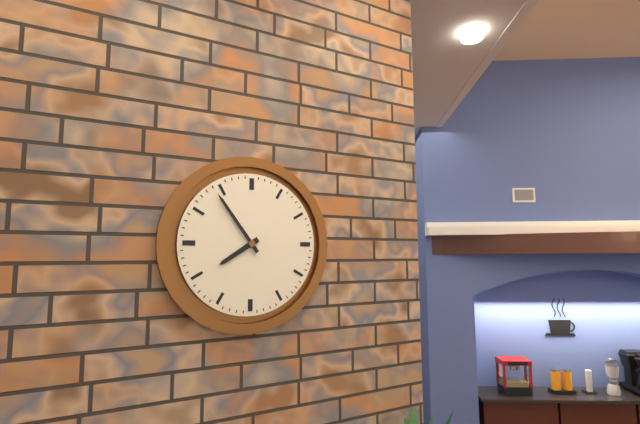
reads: 7,54
